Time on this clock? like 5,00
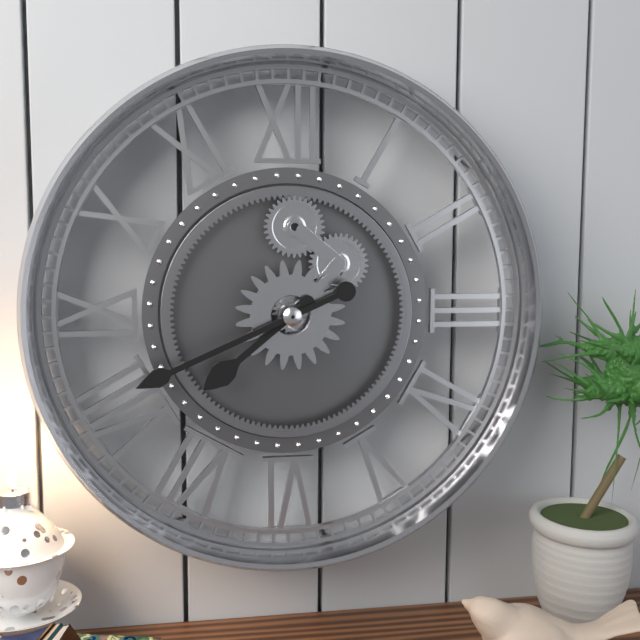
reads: 7,41
